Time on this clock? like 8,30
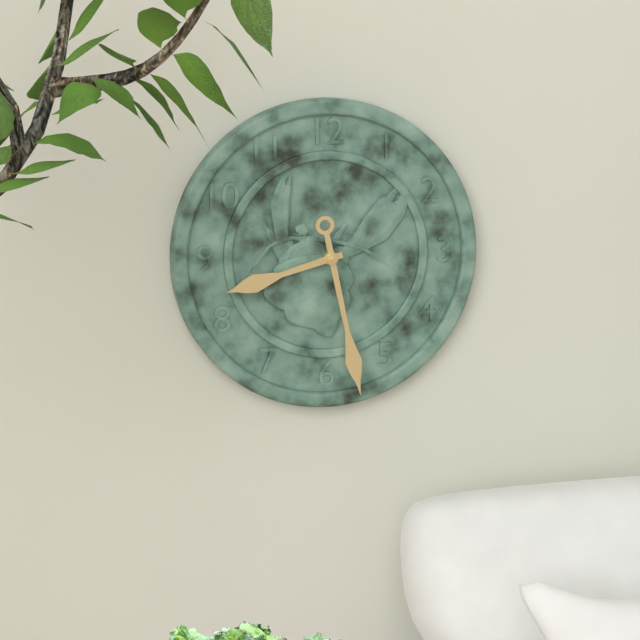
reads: 8,28
